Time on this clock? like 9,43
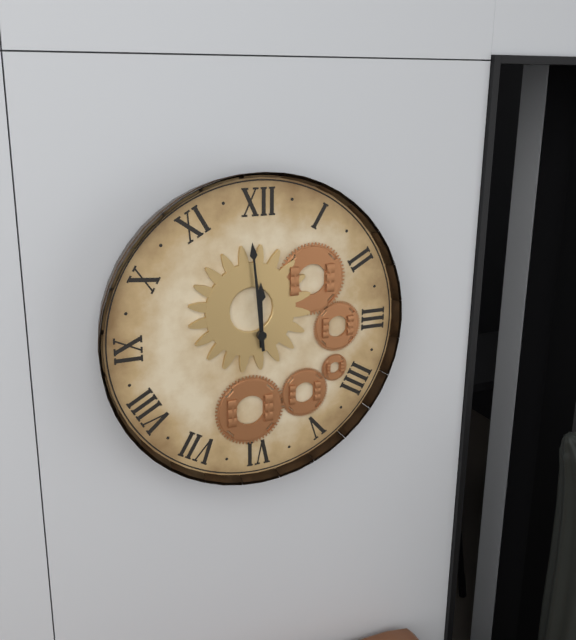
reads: 11,59
